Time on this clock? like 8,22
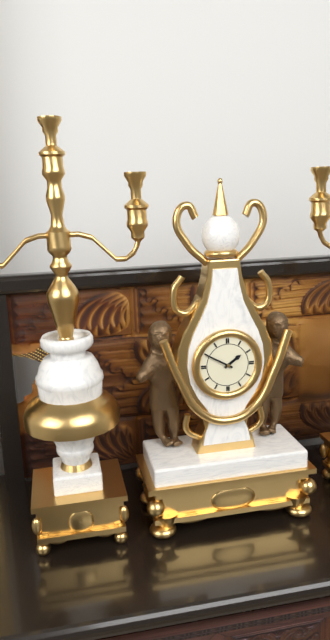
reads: 1,50
